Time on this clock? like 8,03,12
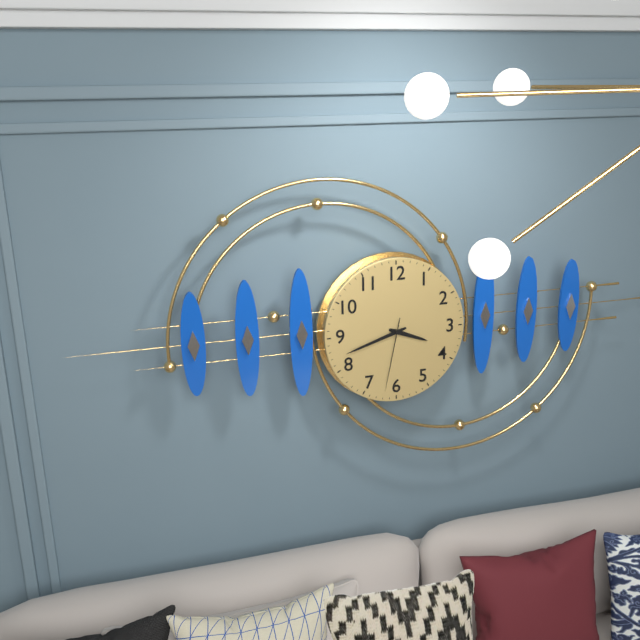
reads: 3,42,32
